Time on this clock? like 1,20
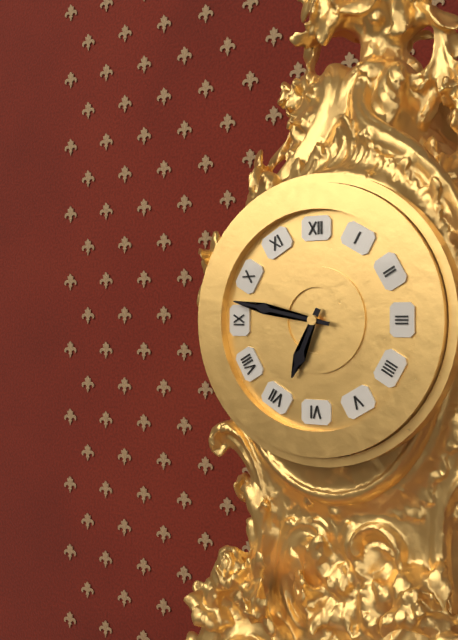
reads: 6,47
